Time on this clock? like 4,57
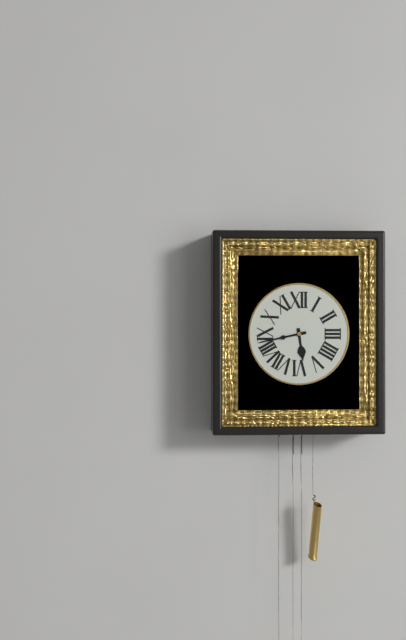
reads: 5,43
